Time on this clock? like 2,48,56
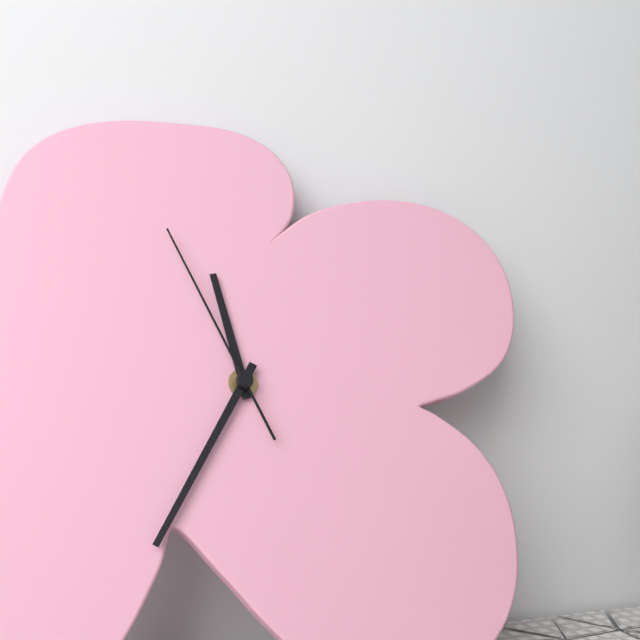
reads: 11,35,56
